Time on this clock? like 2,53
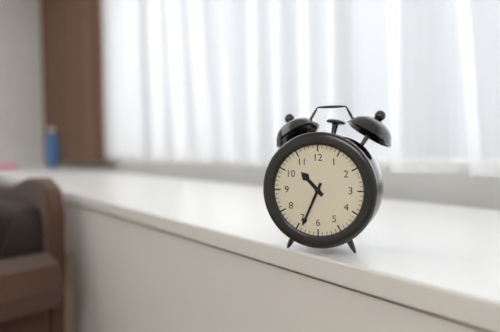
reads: 10,34
